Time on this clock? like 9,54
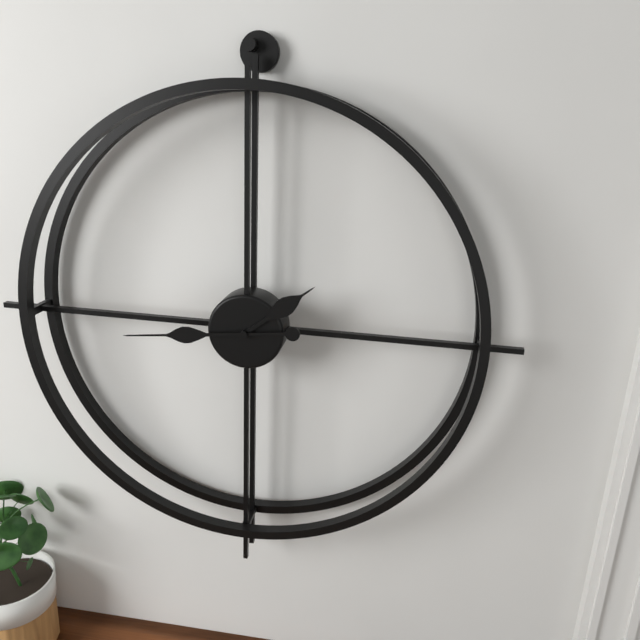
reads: 1,44
